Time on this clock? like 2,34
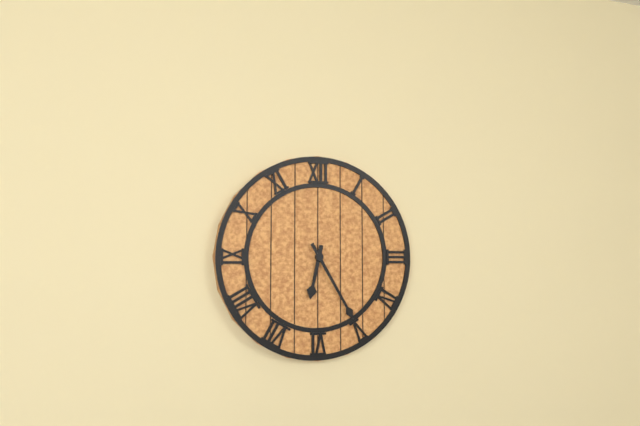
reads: 6,25
